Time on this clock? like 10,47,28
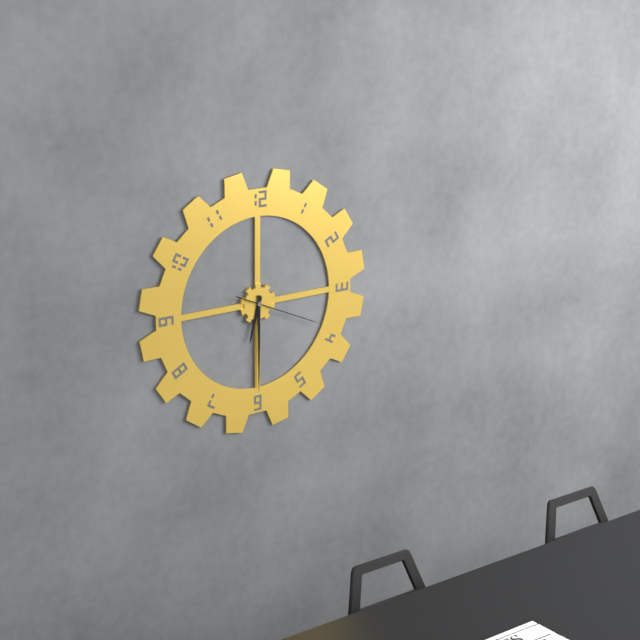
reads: 6,30,19
